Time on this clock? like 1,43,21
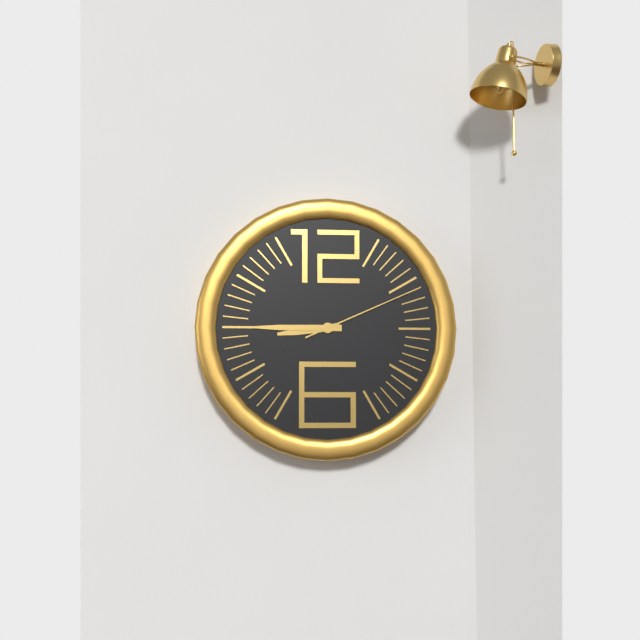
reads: 8,45,11
